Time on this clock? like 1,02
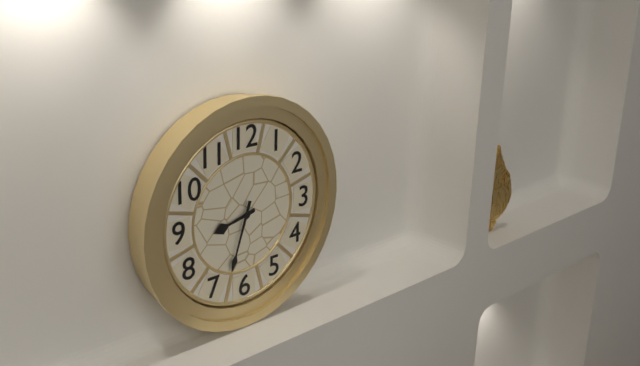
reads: 8,33
